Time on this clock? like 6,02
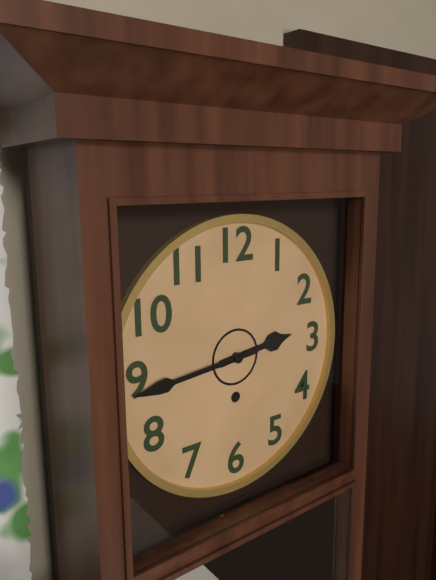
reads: 2,44
